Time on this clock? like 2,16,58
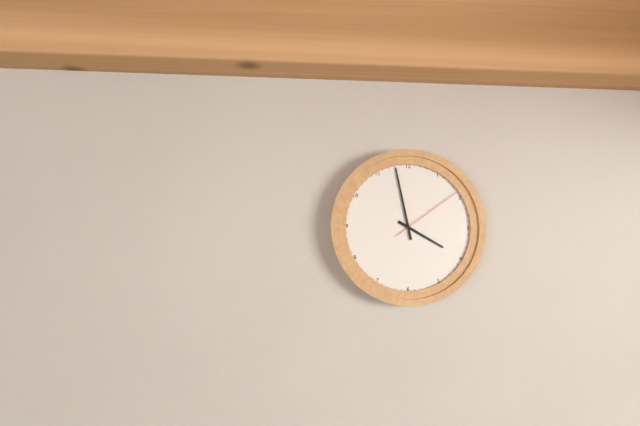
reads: 3,58,09
